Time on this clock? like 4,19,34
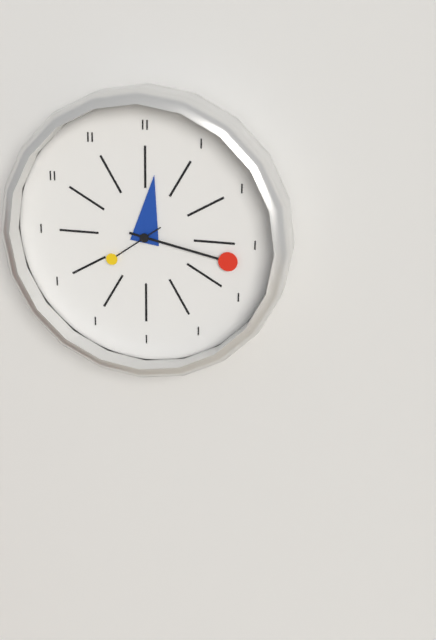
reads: 12,17,39
